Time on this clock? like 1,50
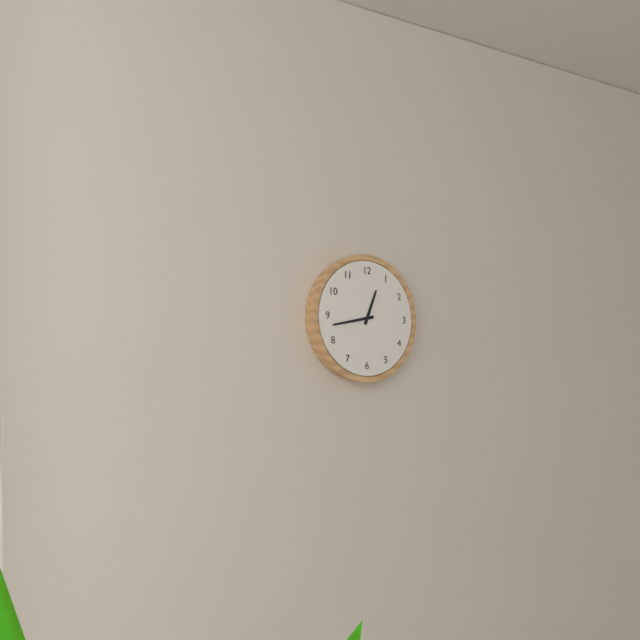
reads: 12,43
